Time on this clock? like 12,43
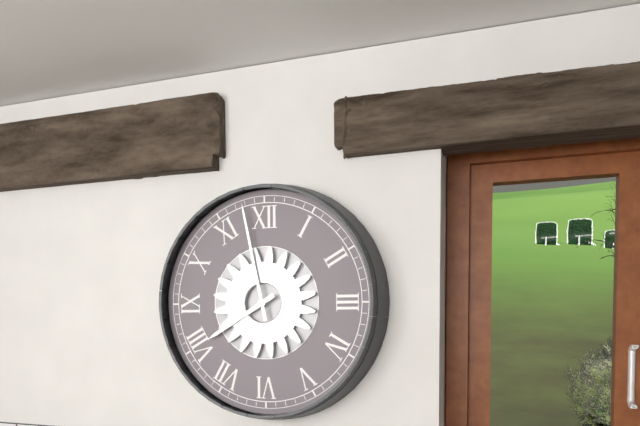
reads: 7,58
